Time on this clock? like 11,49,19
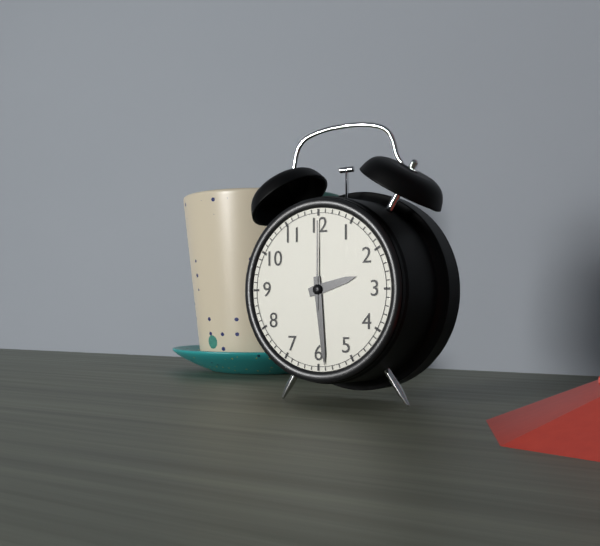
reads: 2,29,00
